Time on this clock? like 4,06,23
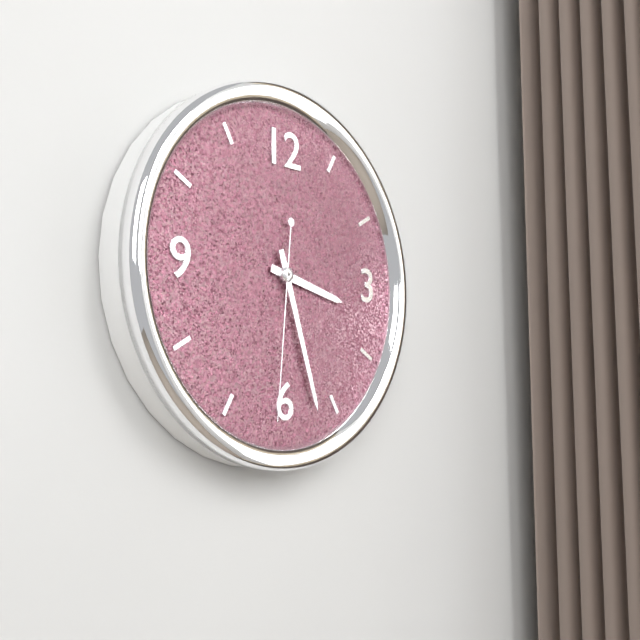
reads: 3,27,31
